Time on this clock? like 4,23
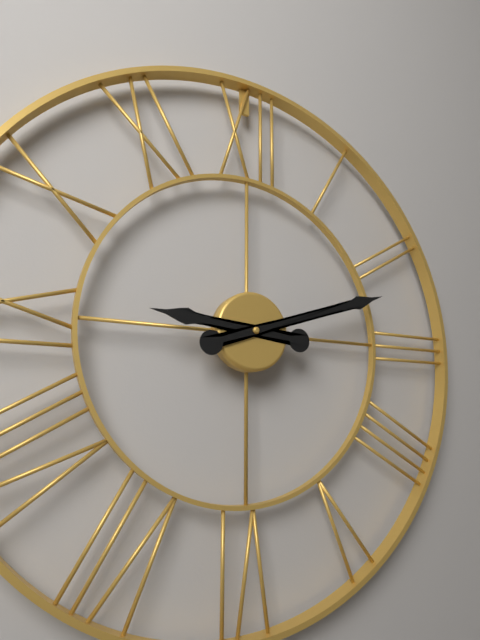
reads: 9,12
